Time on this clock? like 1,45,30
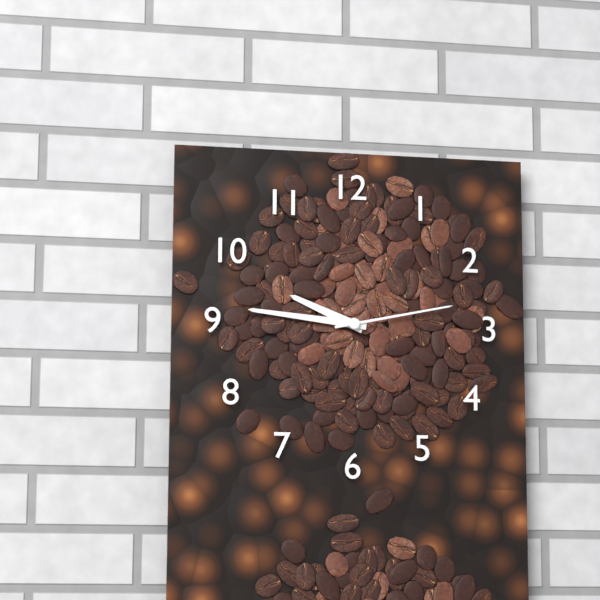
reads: 9,46,13
